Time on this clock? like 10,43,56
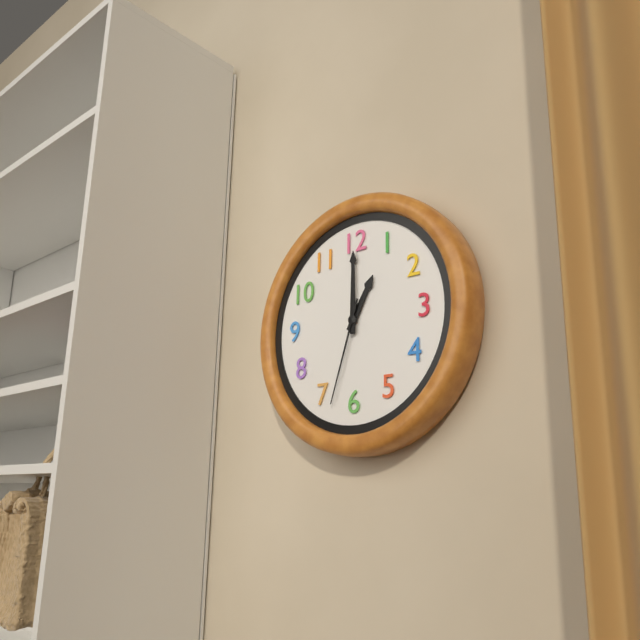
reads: 1,00,33
